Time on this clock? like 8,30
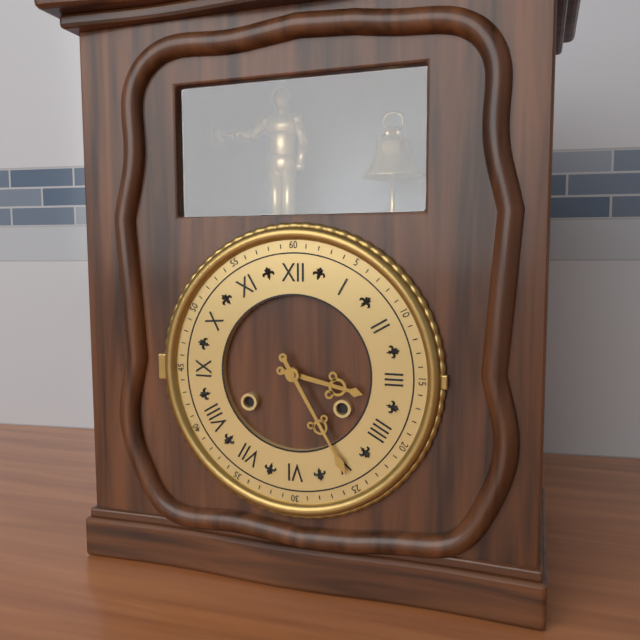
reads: 3,25
